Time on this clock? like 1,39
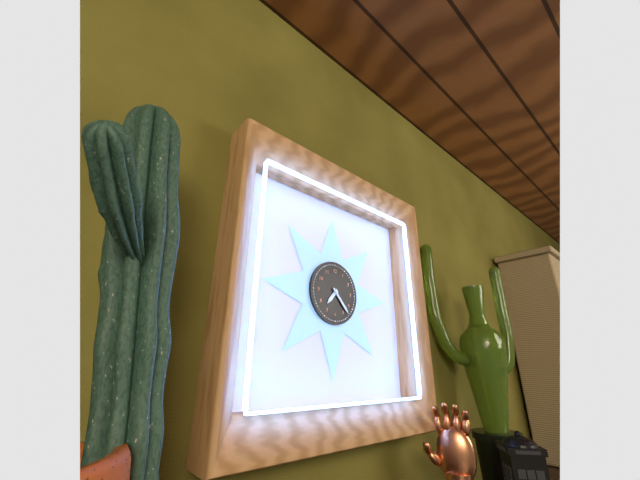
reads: 7,23
